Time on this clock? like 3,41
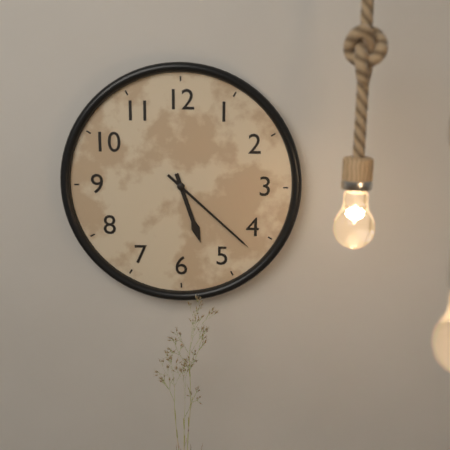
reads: 5,22
